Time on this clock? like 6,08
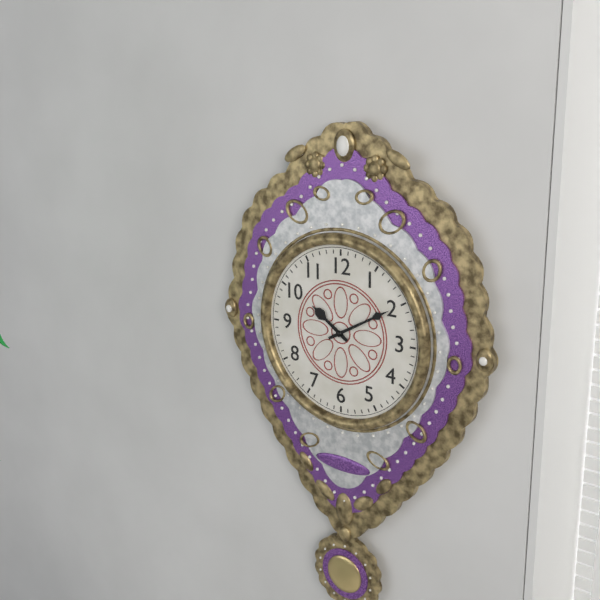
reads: 10,10
